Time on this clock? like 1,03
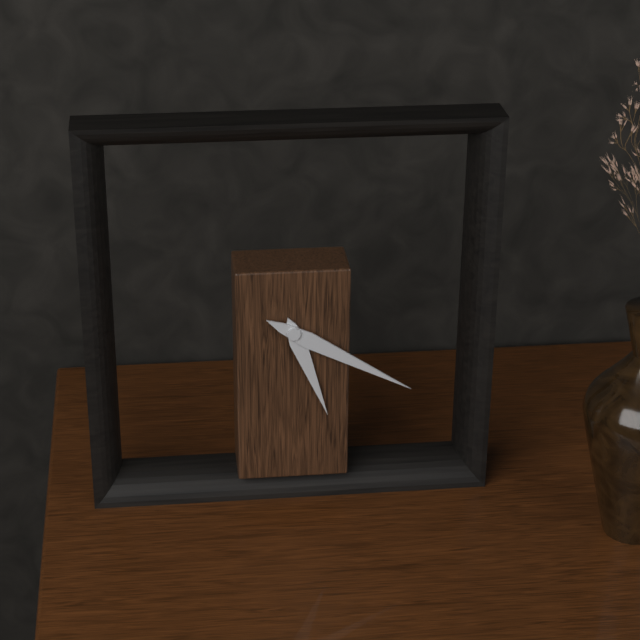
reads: 5,20
